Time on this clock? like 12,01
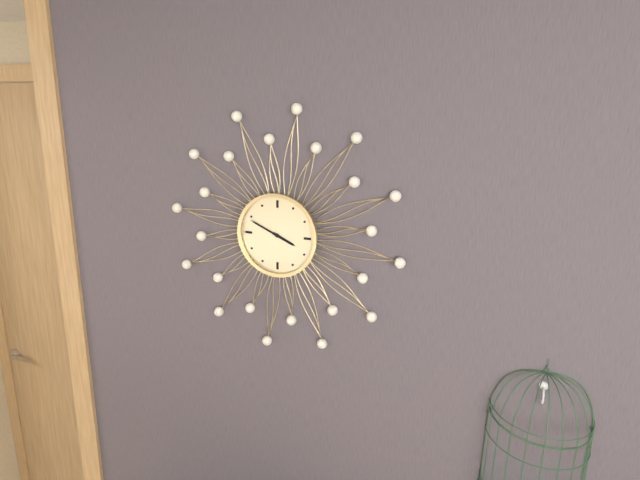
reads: 3,49
